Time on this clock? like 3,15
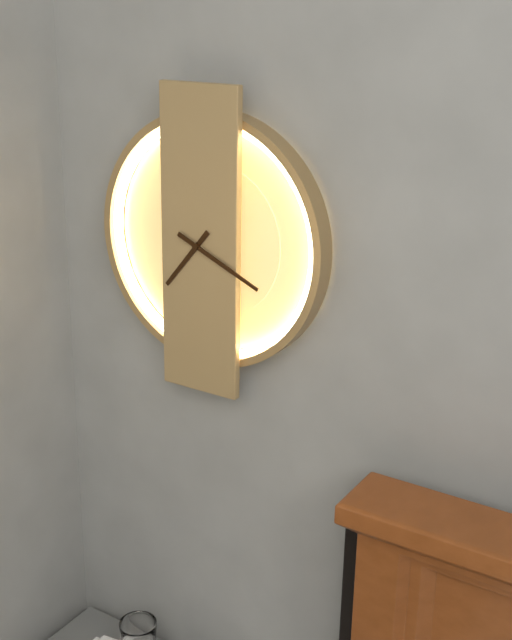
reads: 7,19
